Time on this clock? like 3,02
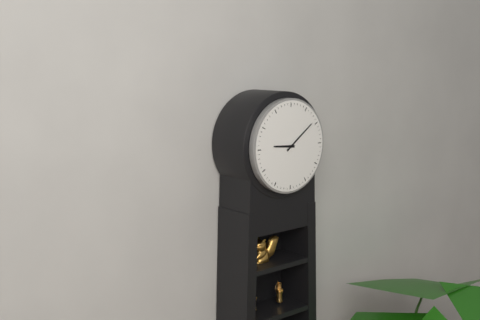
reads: 9,09
